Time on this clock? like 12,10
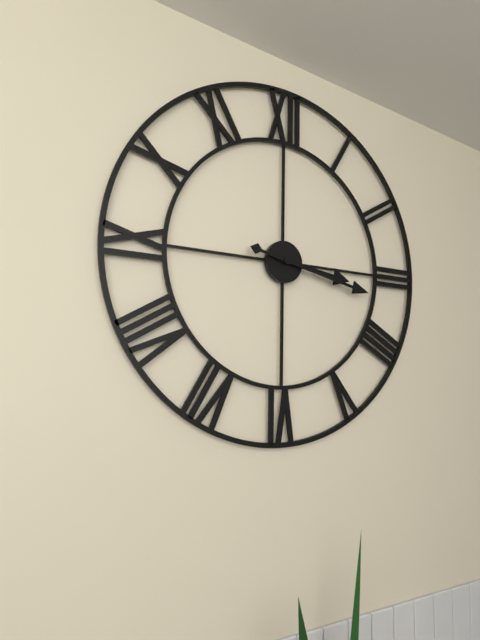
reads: 3,17
